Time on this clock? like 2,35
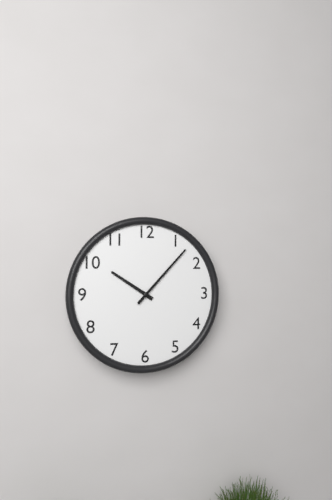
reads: 10,07
